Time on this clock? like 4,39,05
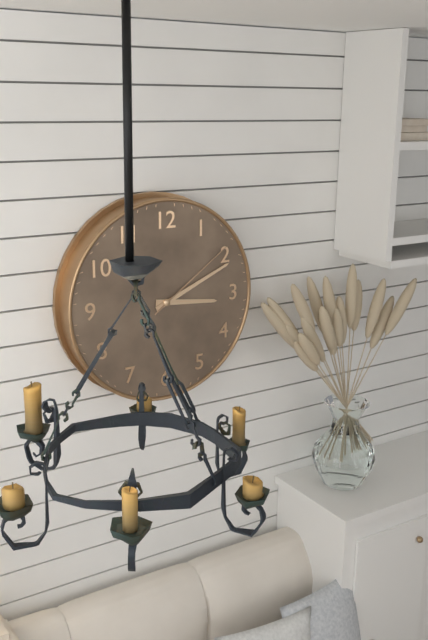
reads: 3,11,09
